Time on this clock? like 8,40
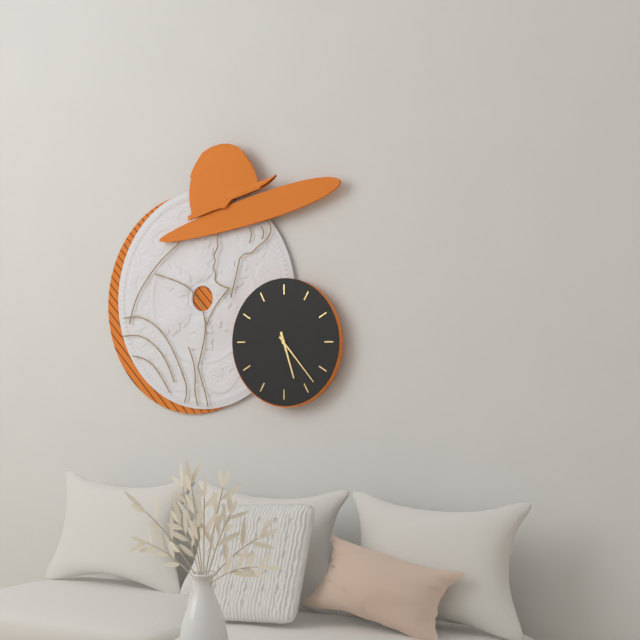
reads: 5,23
